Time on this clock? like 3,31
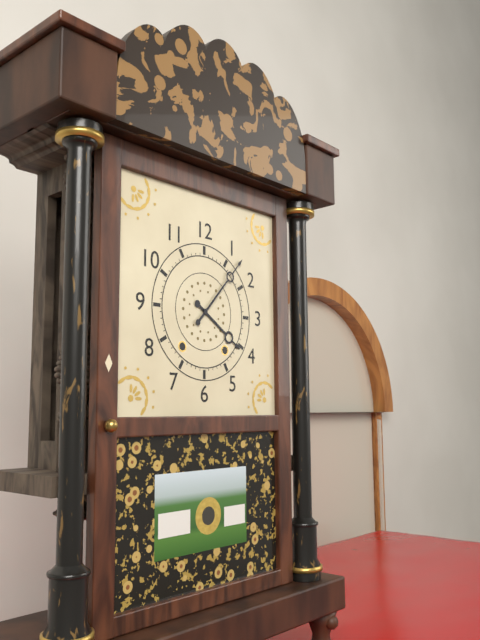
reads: 4,07
